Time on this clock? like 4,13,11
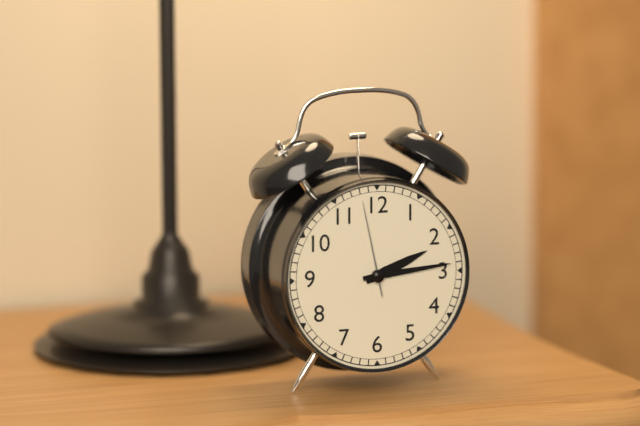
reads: 2,14,58
